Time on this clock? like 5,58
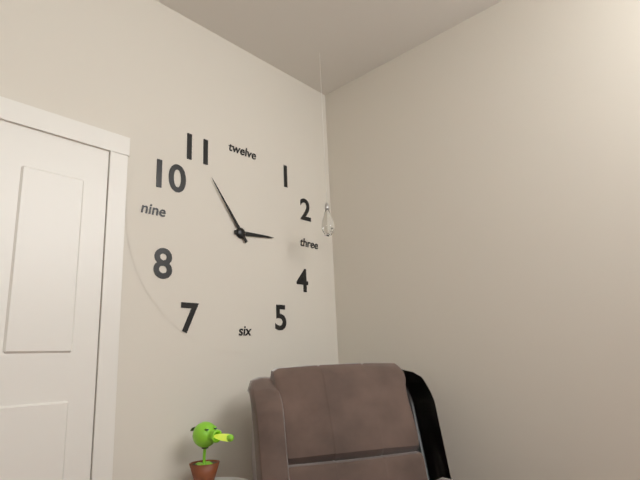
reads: 2,54
